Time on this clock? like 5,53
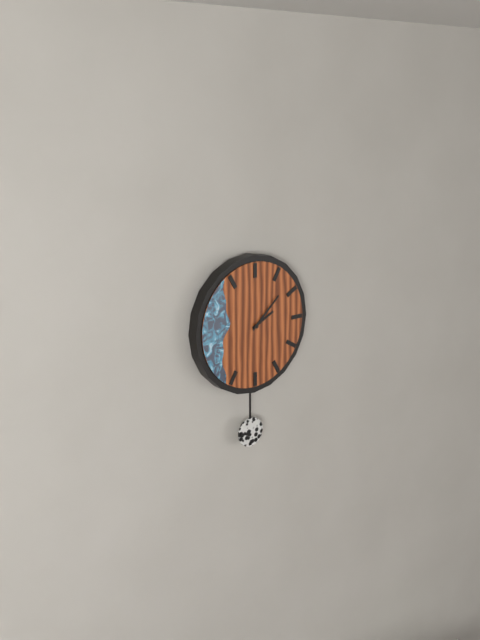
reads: 2,08
